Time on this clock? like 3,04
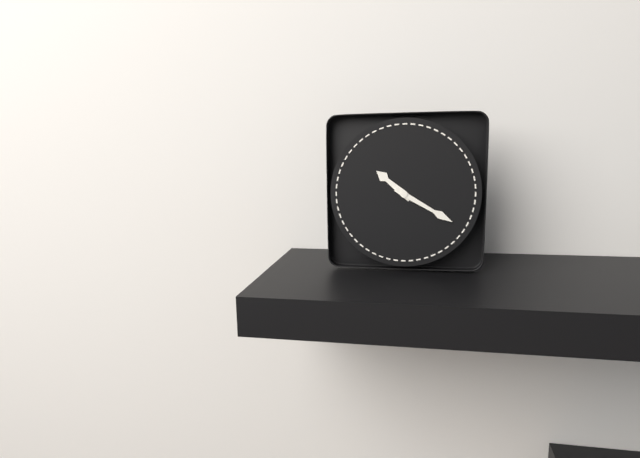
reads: 10,20
